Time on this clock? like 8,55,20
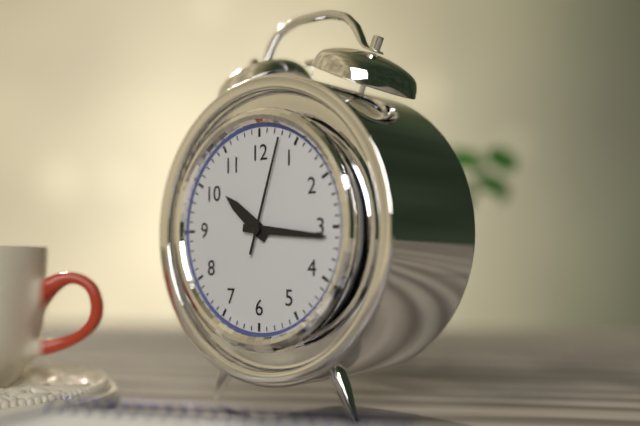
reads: 10,16,03
